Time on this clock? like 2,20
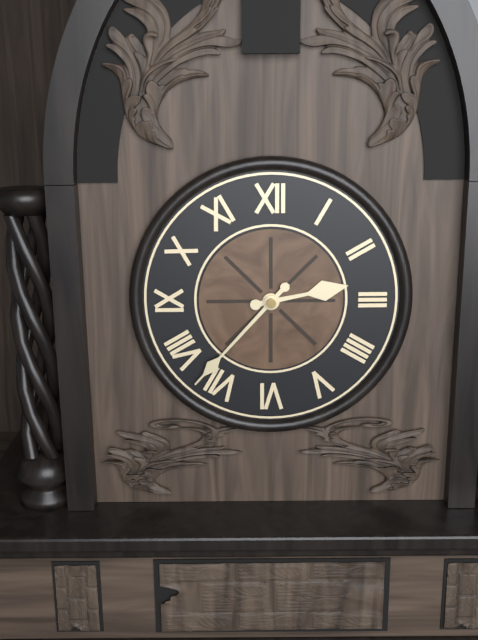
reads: 2,37
